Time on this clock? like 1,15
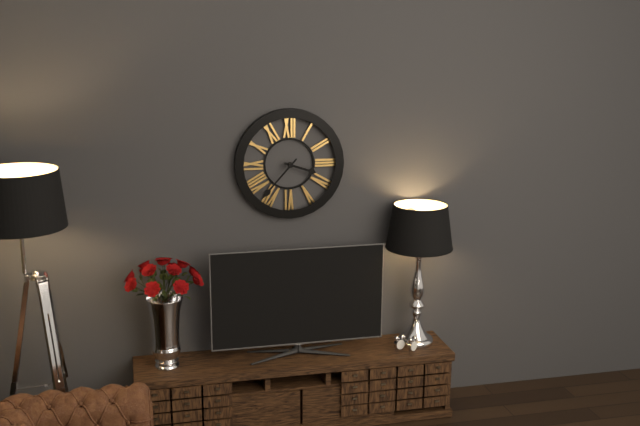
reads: 3,37
